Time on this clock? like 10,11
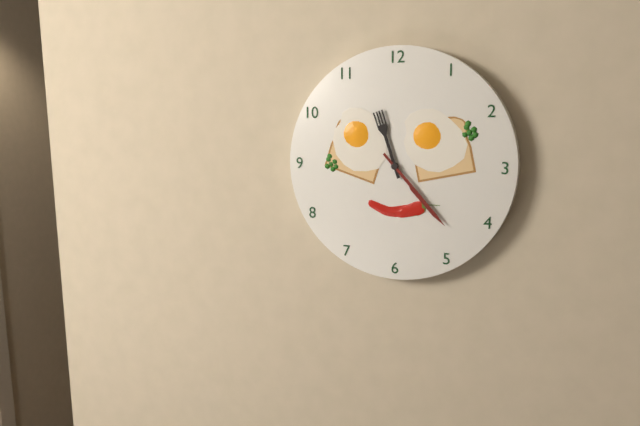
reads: 11,23
